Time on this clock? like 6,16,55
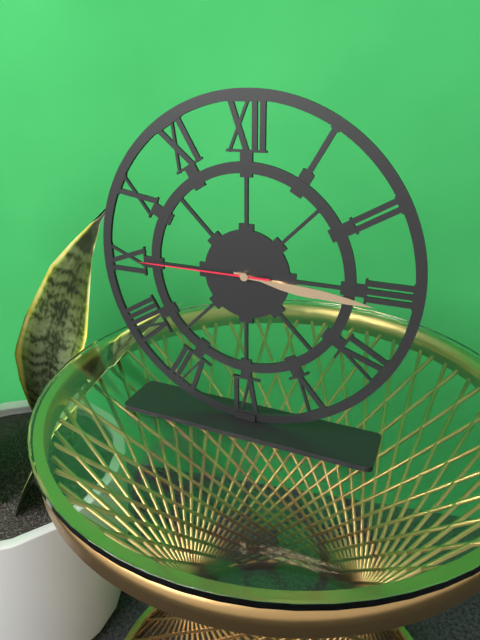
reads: 3,16,45
